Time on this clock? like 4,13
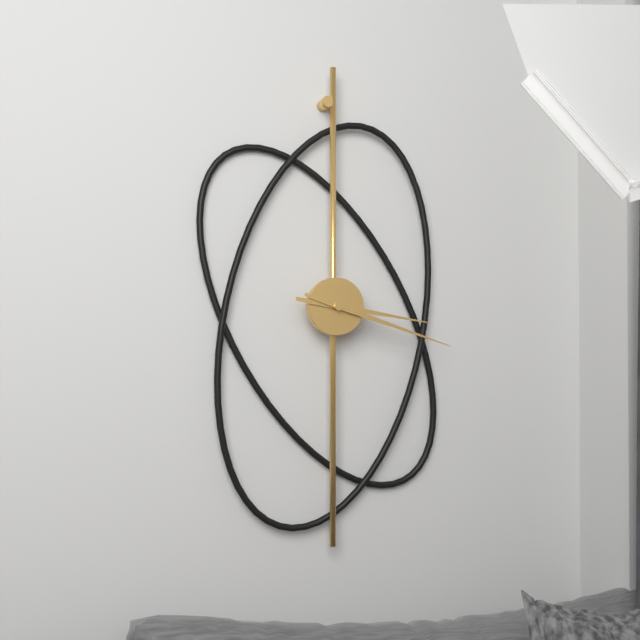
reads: 3,18
